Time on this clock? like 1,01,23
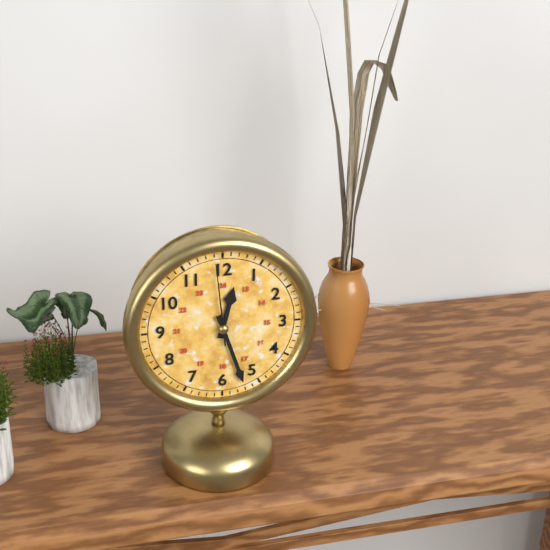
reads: 12,27,59
